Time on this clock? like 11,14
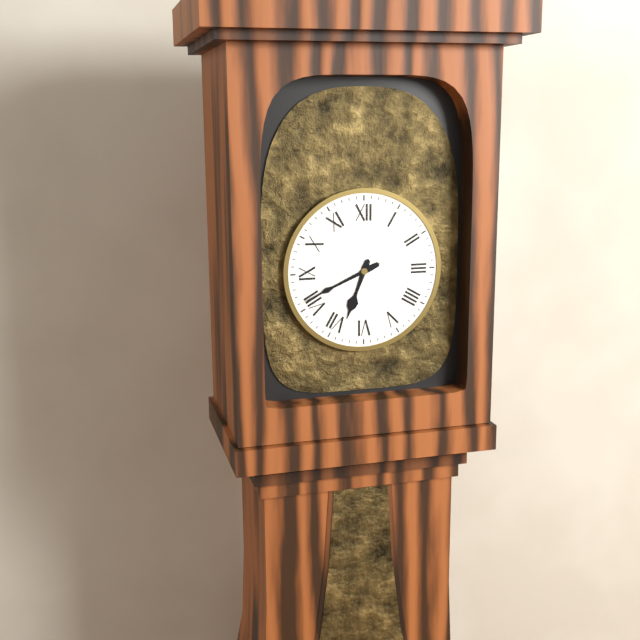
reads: 6,41
